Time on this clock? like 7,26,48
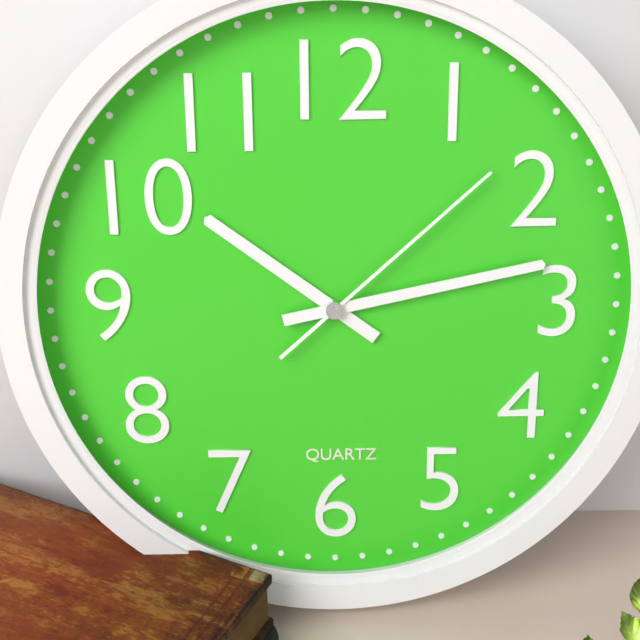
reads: 10,13,08
